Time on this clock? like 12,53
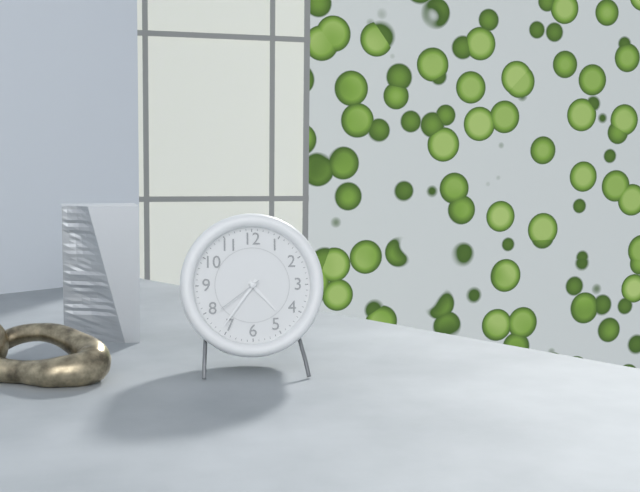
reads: 4,36
